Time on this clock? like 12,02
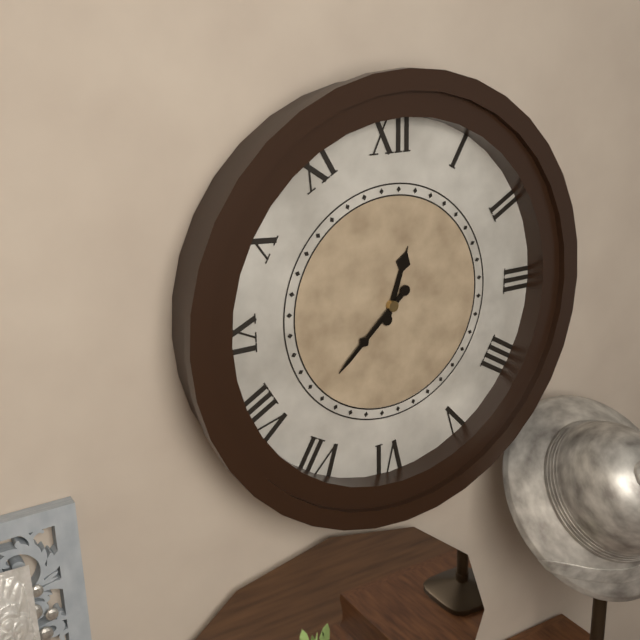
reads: 12,38
